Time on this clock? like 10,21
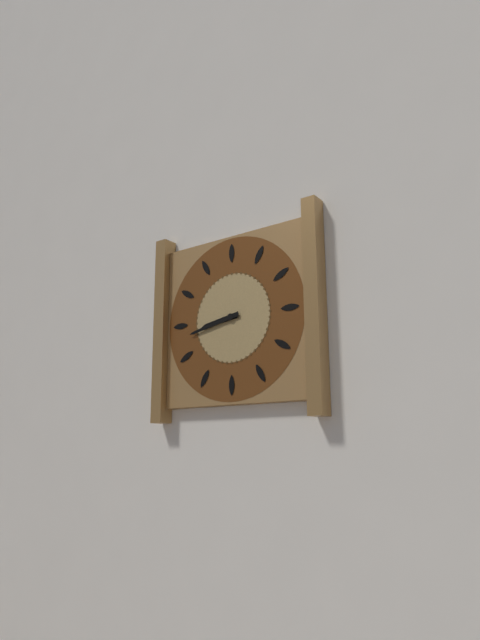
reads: 8,43
